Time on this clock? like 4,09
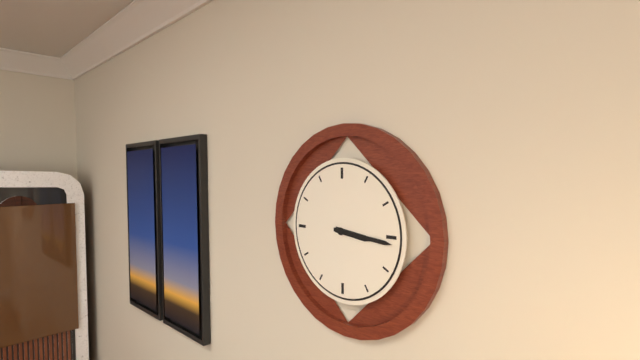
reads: 3,16
